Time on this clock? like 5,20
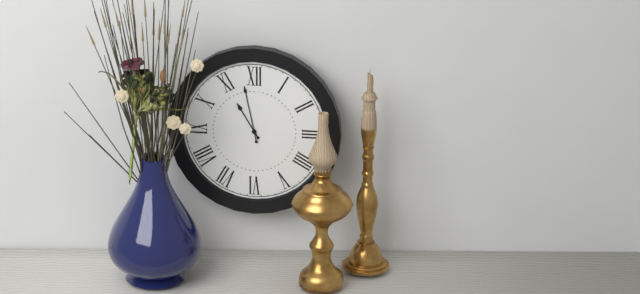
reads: 10,58
